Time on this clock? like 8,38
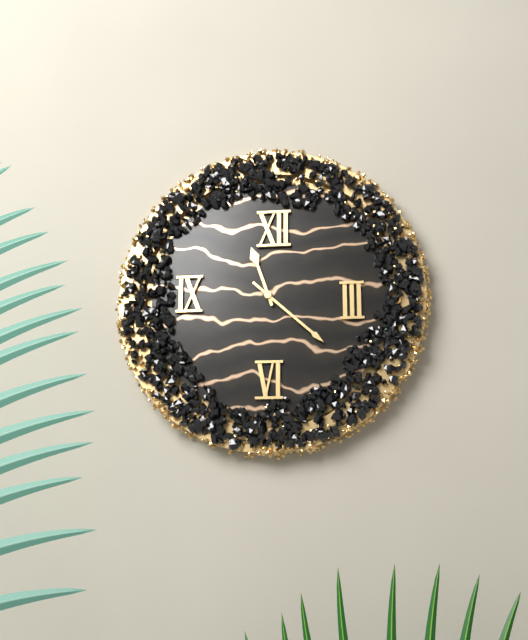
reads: 11,22
